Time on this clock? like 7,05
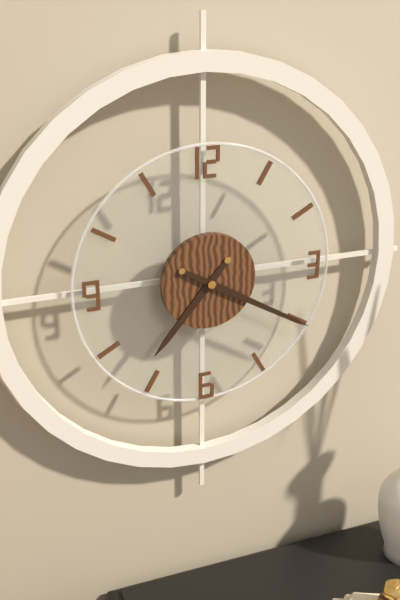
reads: 7,20
